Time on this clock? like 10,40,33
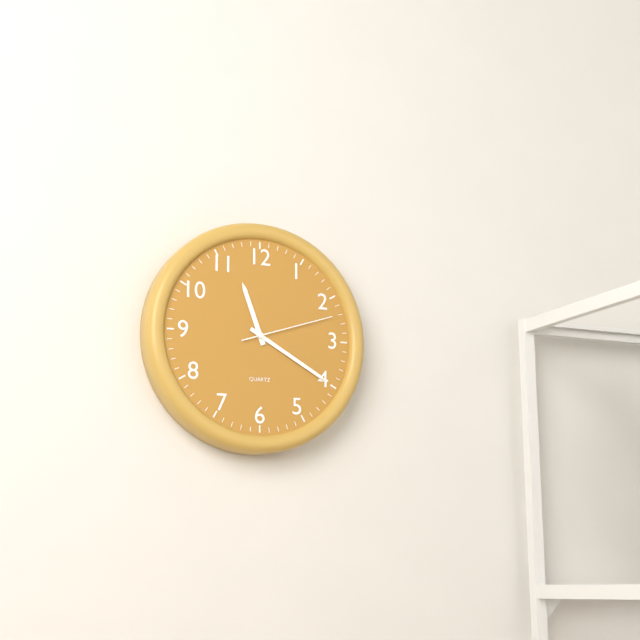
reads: 11,20,12
